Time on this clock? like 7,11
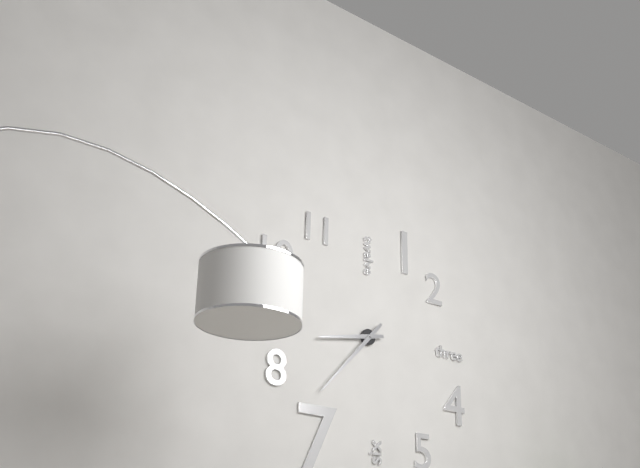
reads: 8,37
